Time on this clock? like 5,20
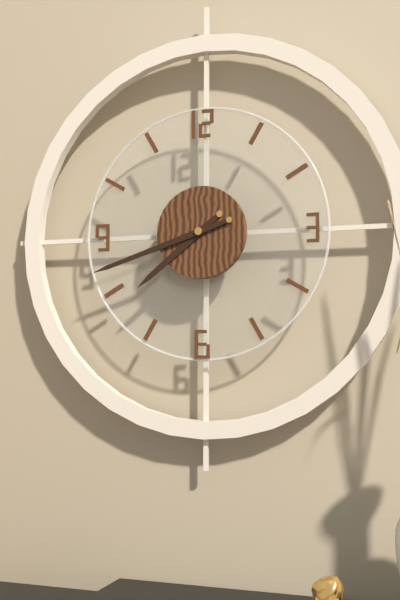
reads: 7,42
